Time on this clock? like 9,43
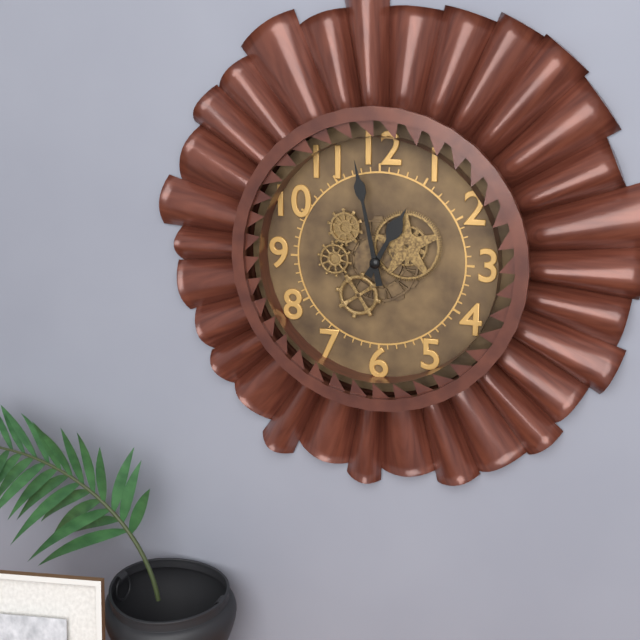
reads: 12,58
